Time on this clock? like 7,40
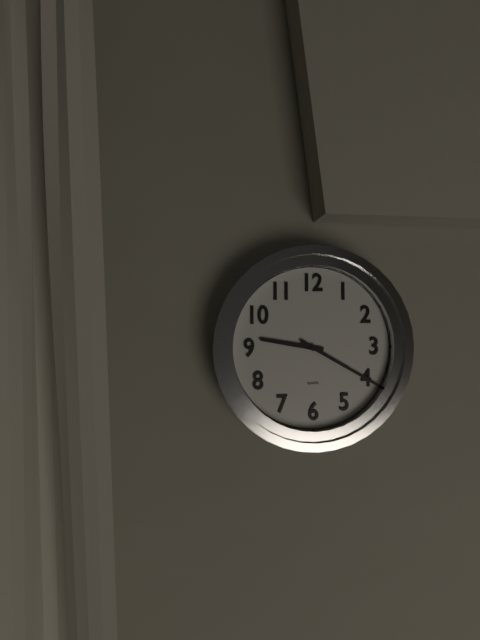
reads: 9,20
